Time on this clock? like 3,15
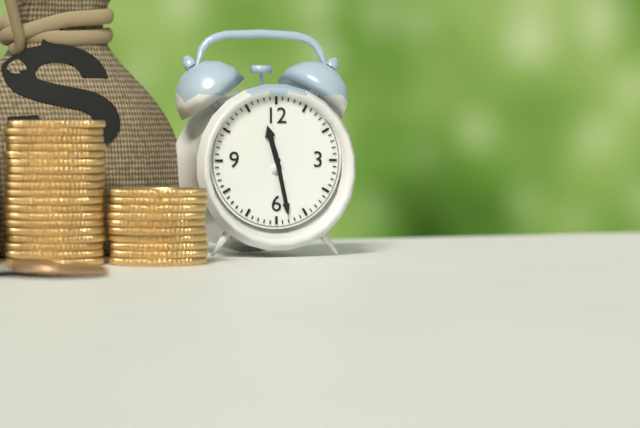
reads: 11,28
